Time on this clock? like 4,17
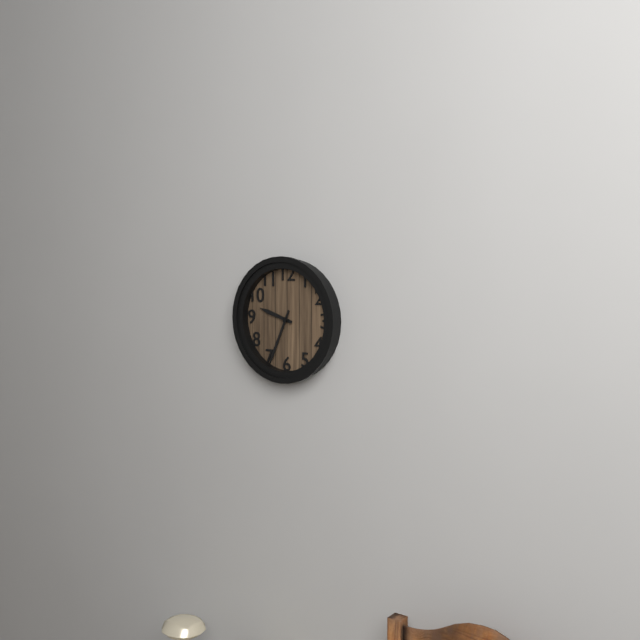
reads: 9,34
